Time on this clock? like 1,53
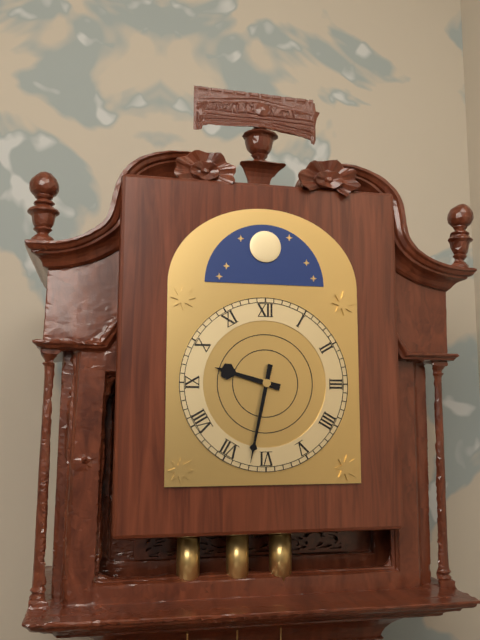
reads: 9,32
